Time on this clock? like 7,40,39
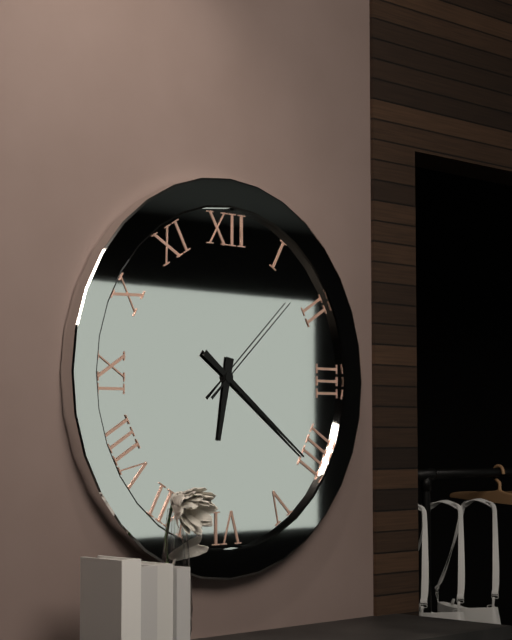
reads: 6,21,08
